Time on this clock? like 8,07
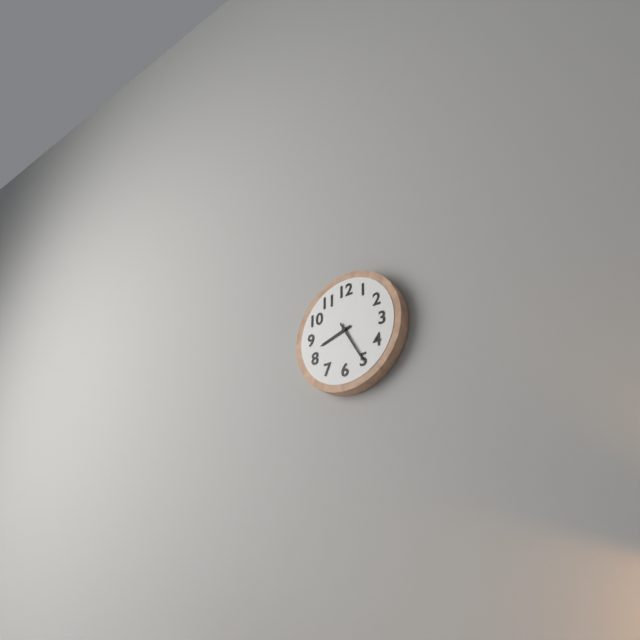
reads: 8,25
